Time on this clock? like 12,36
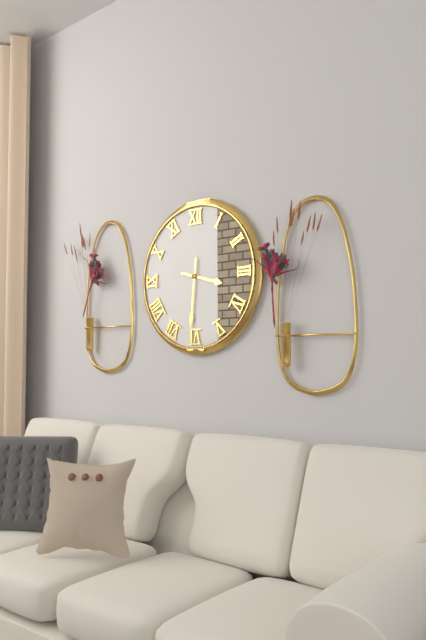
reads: 3,31
